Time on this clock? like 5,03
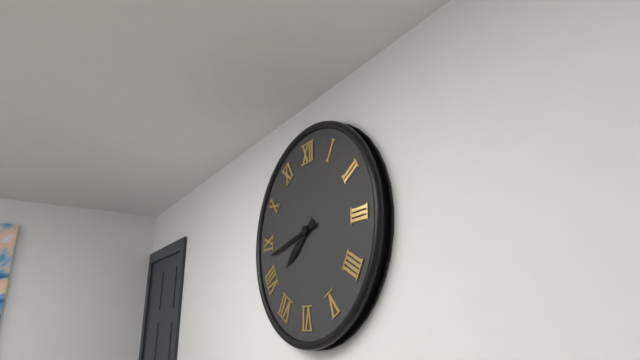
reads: 7,43
